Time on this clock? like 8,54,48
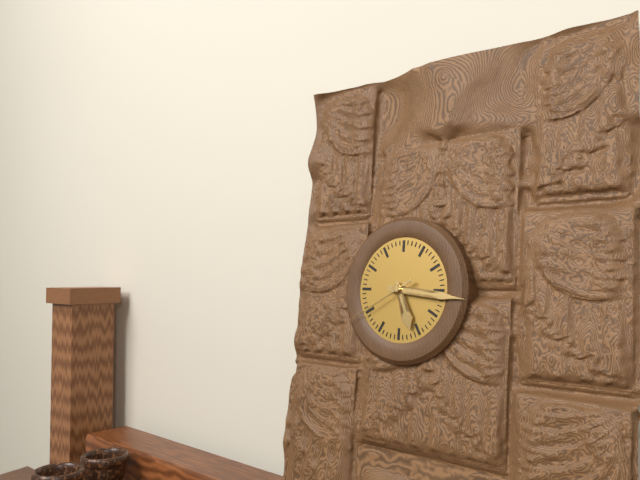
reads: 5,16,40
